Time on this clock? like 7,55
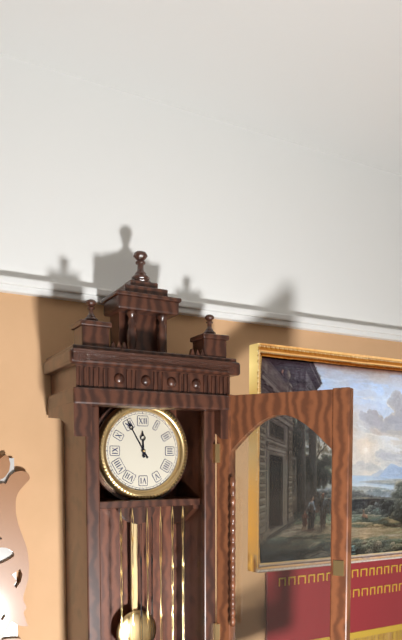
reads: 11,55
